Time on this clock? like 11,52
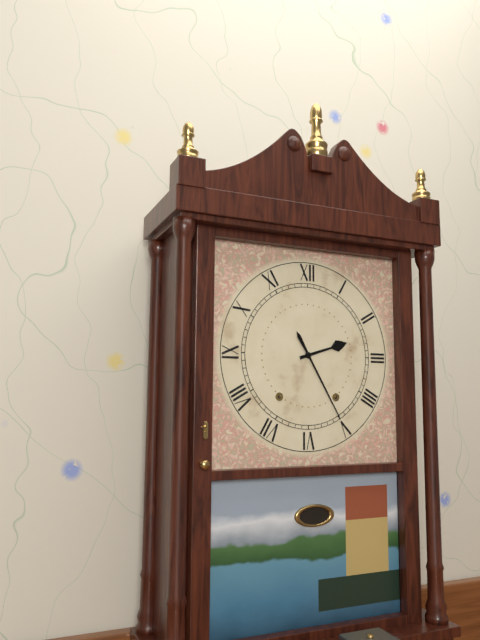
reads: 2,25
